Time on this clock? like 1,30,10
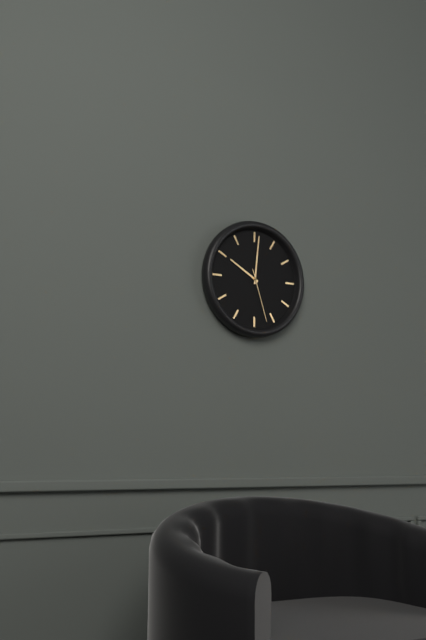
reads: 10,01,27
